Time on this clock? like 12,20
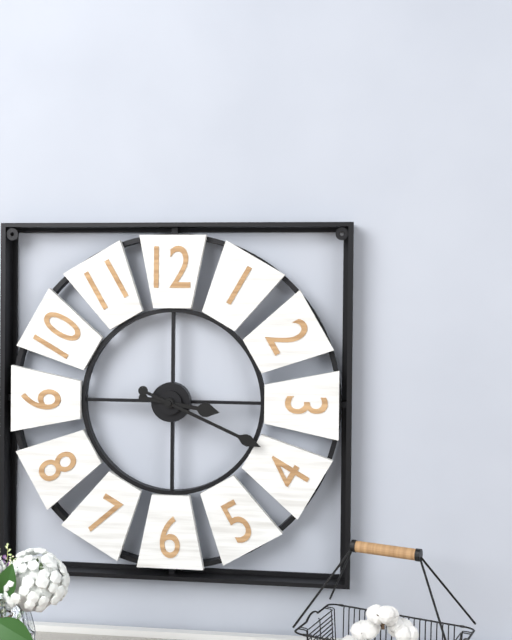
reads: 3,19
